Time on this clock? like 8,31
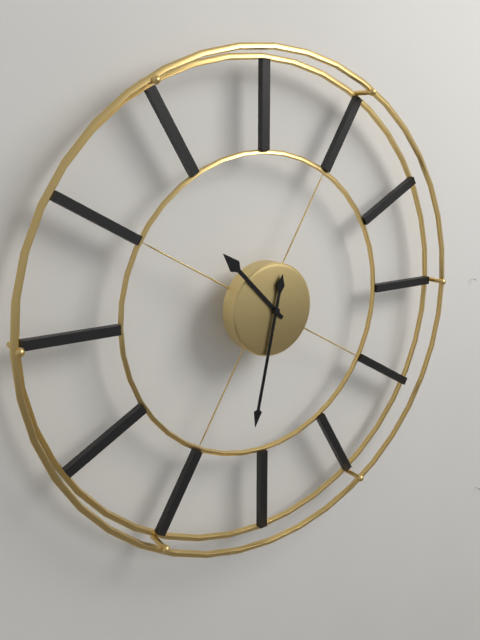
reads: 10,32
